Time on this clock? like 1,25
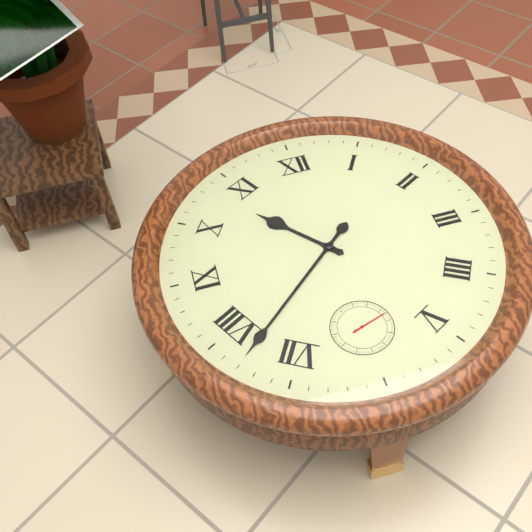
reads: 10,38
